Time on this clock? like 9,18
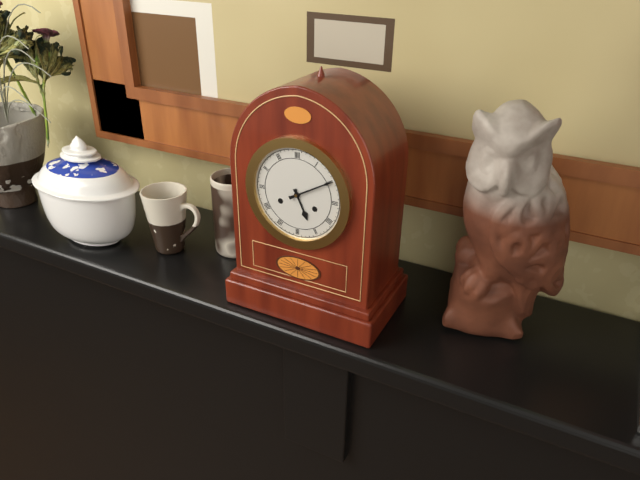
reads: 5,10
